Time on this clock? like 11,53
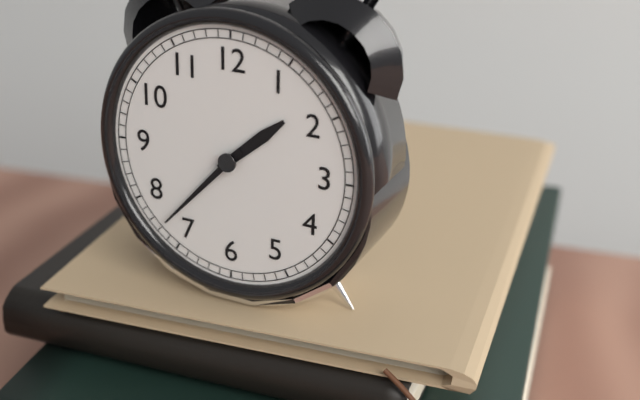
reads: 1,37
